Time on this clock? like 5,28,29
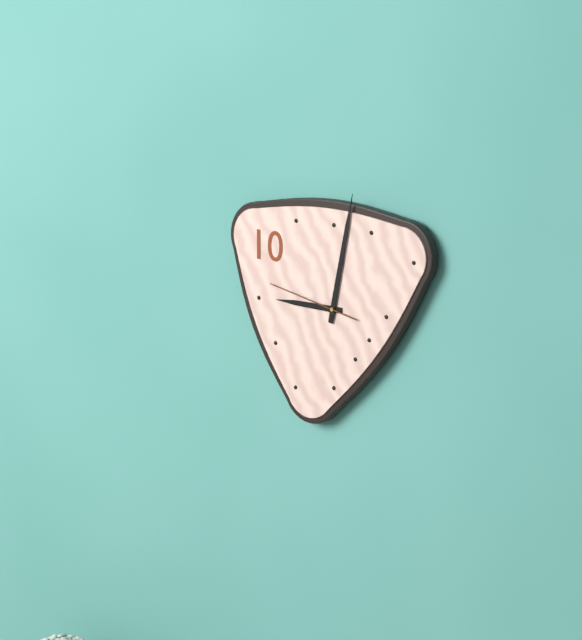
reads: 9,02,47
